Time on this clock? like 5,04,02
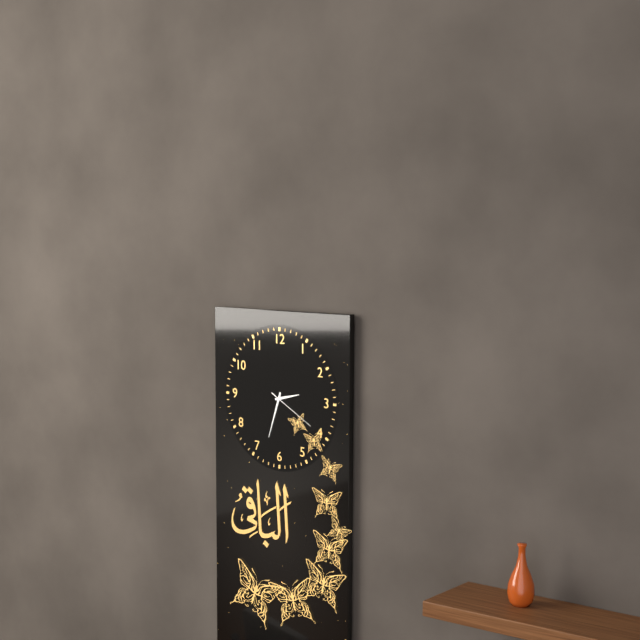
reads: 2,33,20
